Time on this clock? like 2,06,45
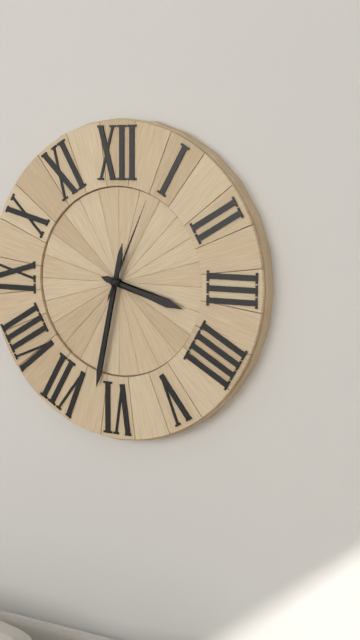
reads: 3,32,04
